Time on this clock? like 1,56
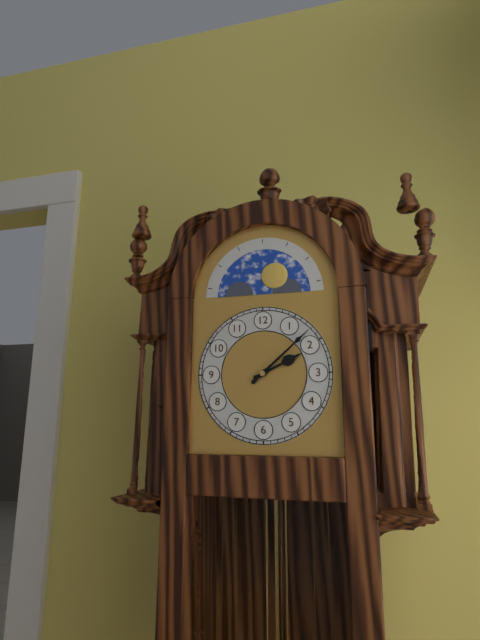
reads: 2,08
